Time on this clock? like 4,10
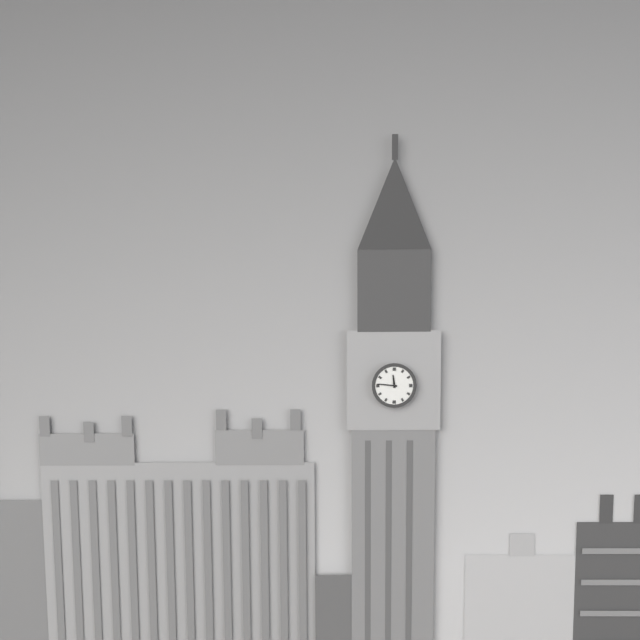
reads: 11,46
